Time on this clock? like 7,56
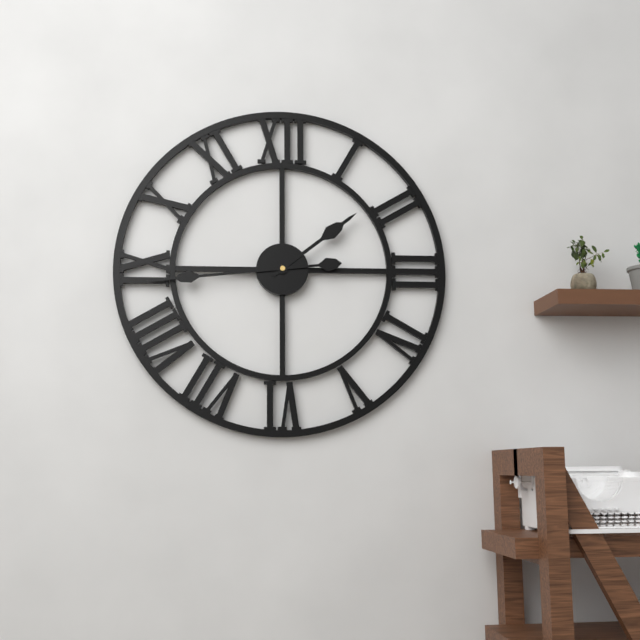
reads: 1,44
